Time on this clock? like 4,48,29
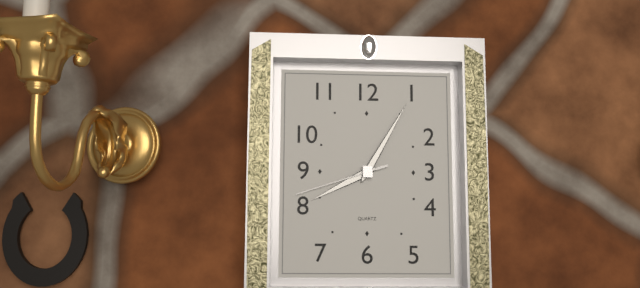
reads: 8,05,42
